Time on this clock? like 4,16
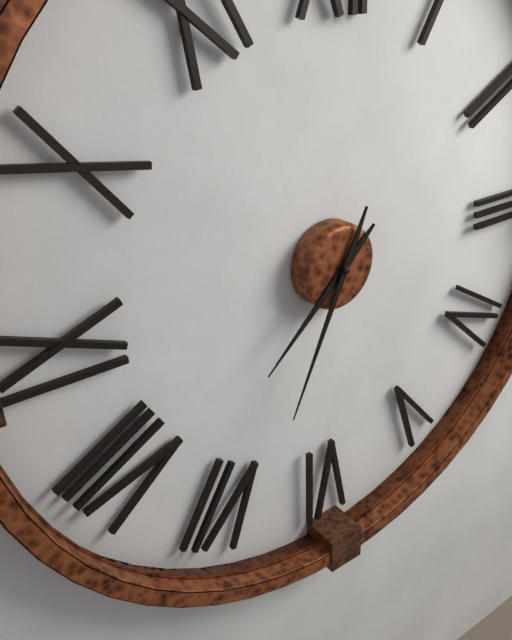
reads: 7,34
